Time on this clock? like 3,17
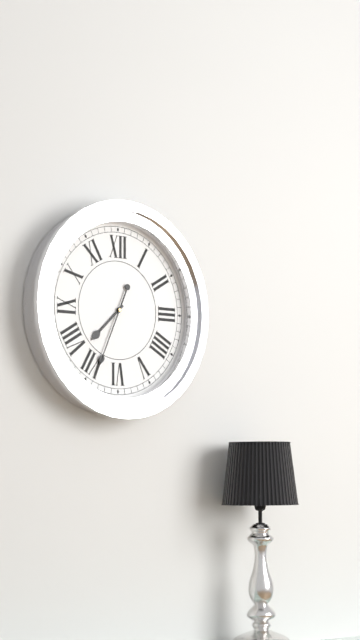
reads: 7,34
